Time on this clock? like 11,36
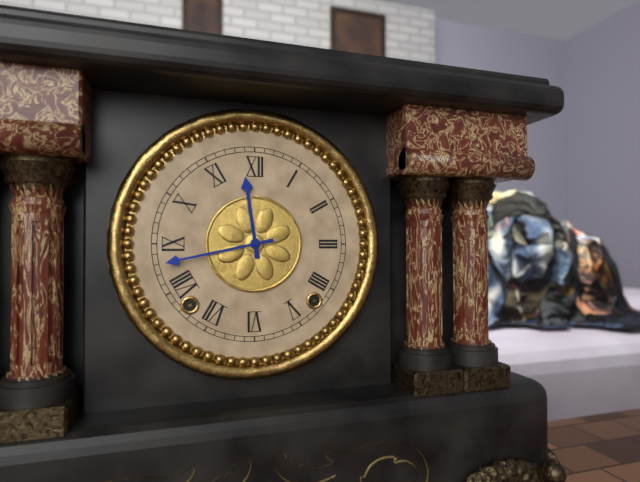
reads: 11,43
